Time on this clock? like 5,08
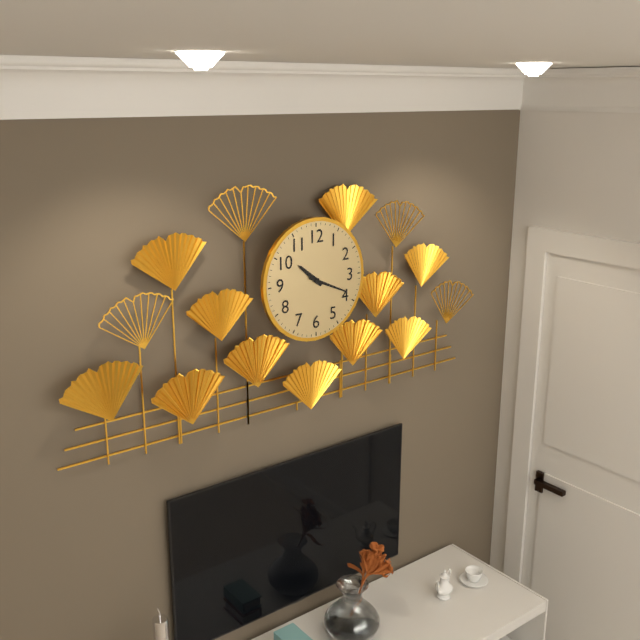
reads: 10,19
